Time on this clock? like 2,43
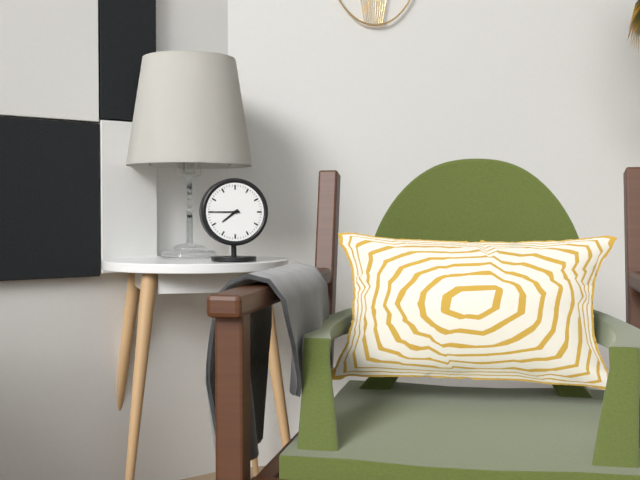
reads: 7,45
